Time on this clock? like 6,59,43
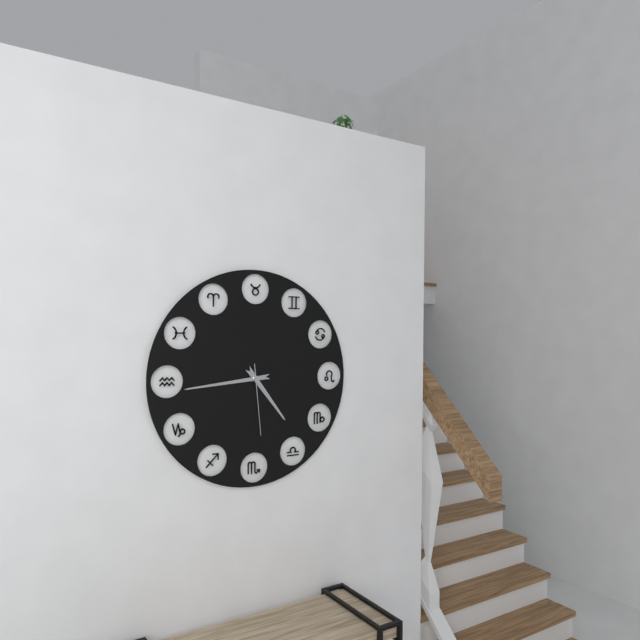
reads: 4,44,29
